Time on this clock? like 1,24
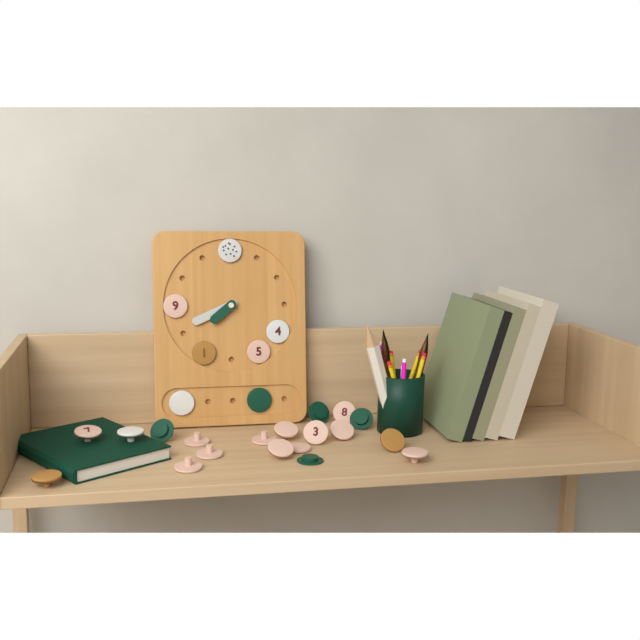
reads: 7,41
